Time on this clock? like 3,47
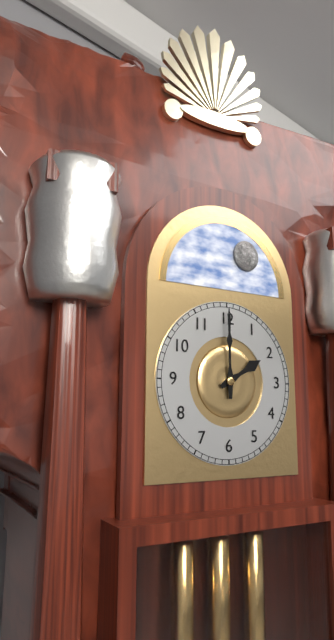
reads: 2,00
